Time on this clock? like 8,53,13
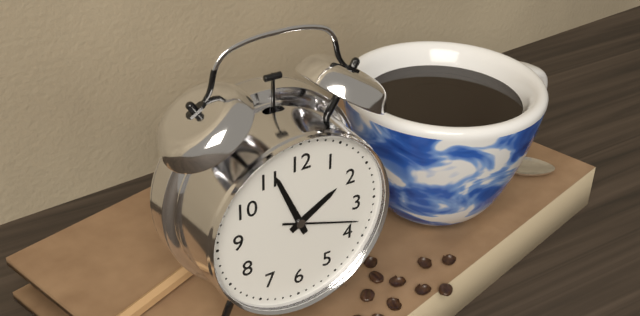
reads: 1,56,18
